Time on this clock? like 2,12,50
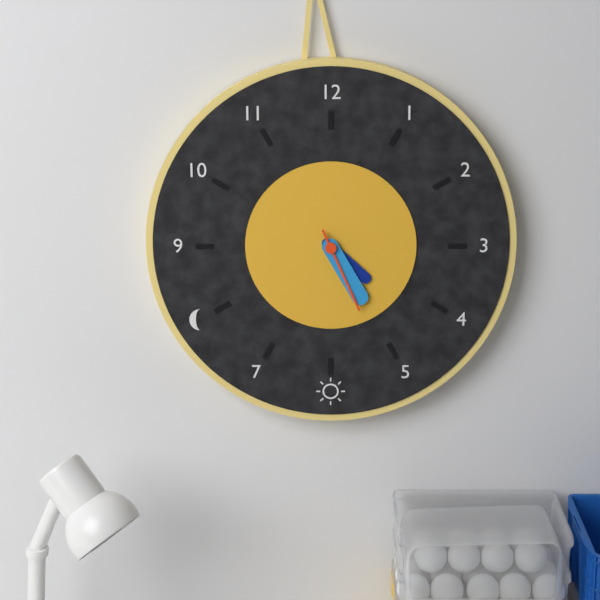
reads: 4,25,26
